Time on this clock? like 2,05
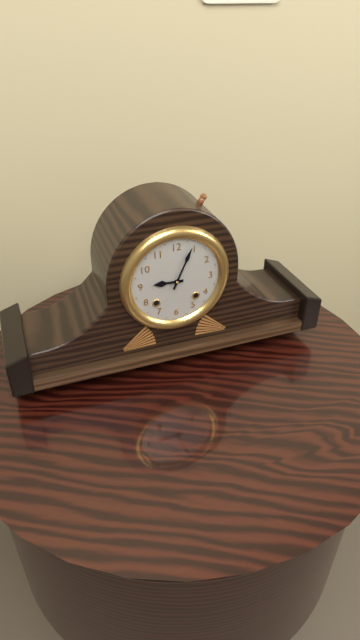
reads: 9,04
